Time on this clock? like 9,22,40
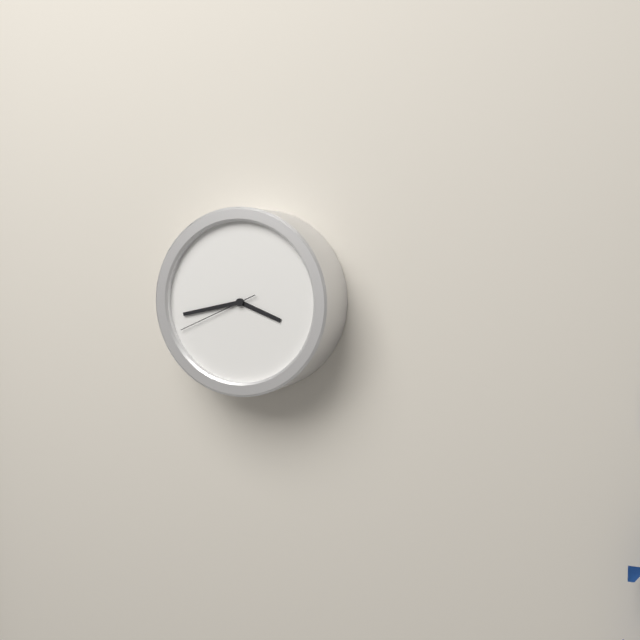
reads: 3,43,41
